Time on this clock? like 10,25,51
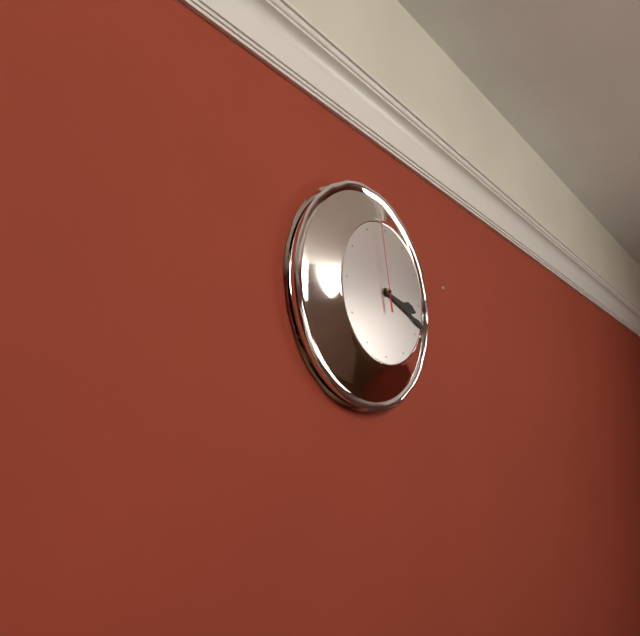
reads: 3,18,58
